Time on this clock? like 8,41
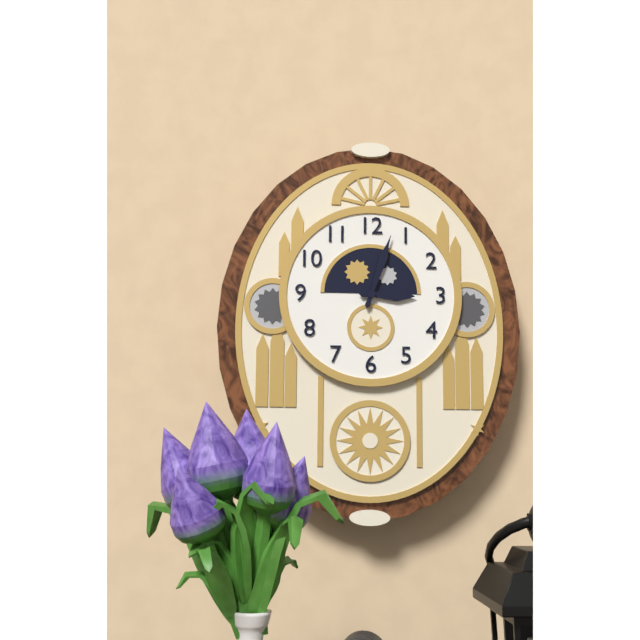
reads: 3,03
